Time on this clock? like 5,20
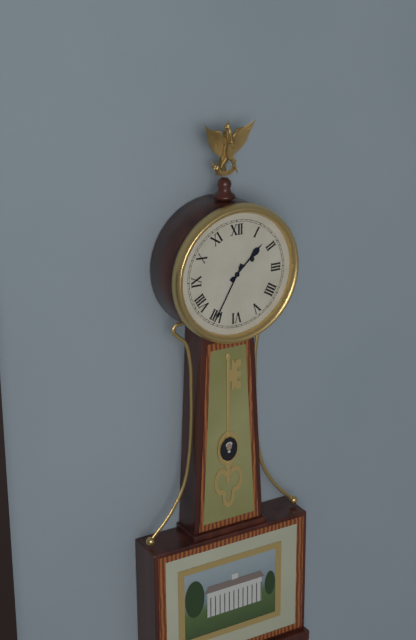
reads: 1,35
